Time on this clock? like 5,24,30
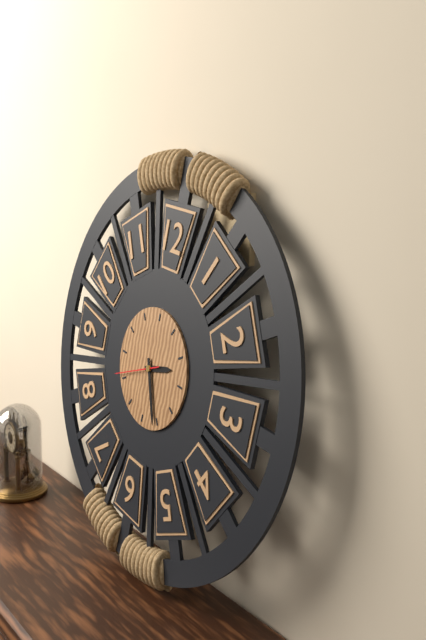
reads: 2,26,41
